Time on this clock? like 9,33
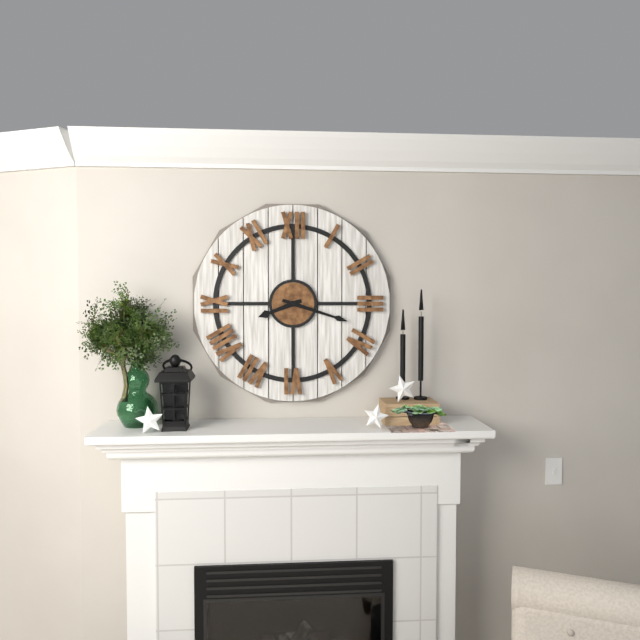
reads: 8,18
